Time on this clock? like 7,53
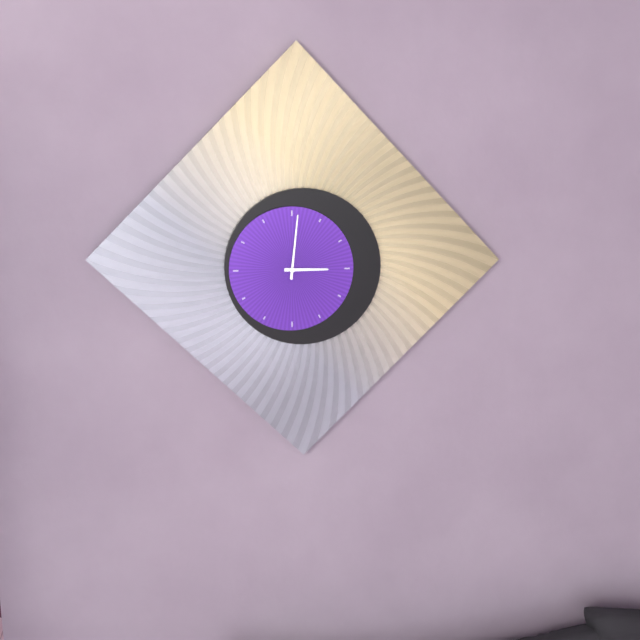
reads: 3,01
